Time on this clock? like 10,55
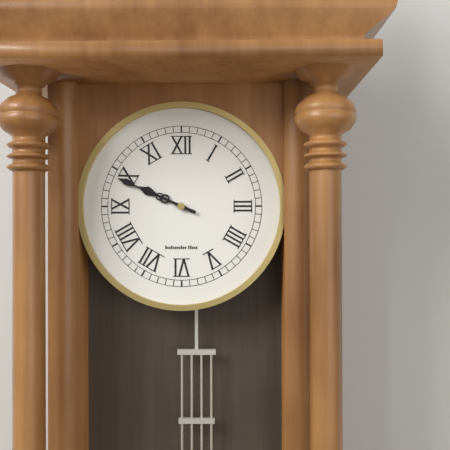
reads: 9,49
